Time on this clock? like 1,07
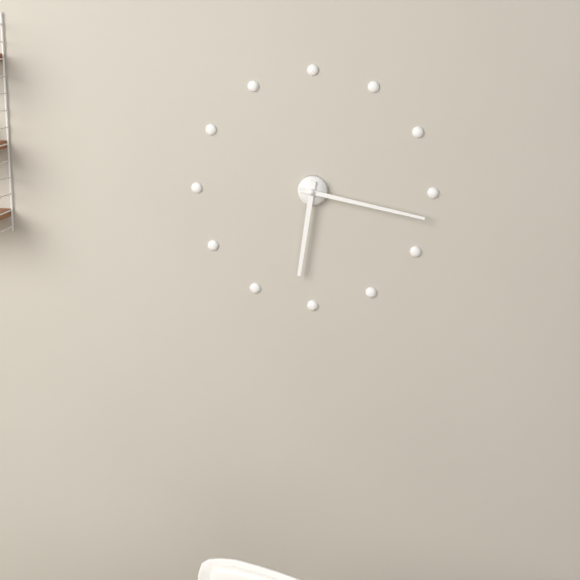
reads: 6,17
